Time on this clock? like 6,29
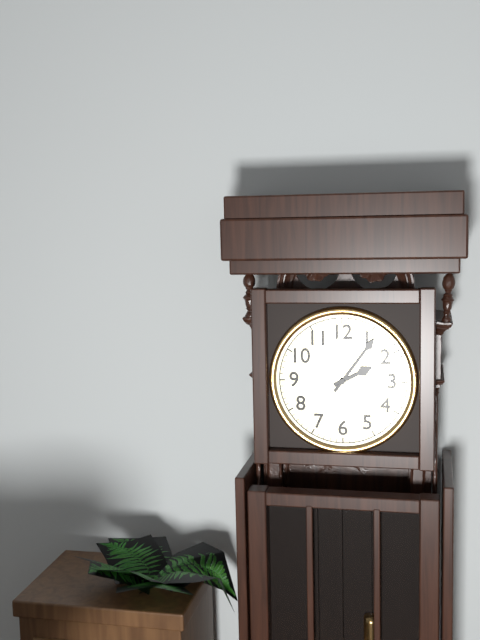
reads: 2,06
